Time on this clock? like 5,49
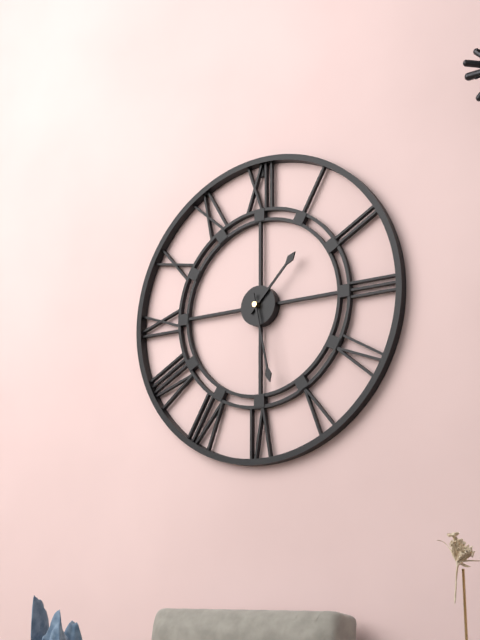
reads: 1,28
